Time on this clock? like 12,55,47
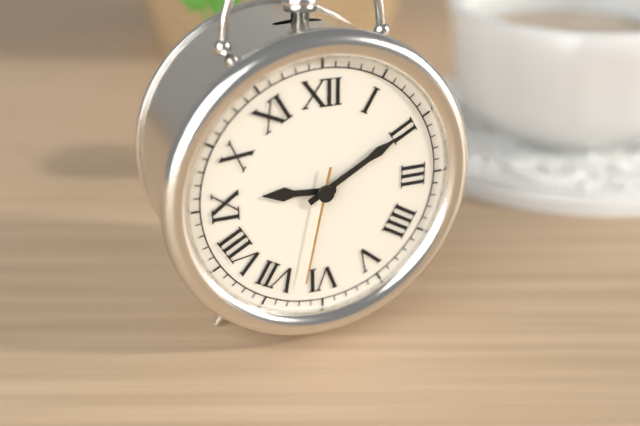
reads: 9,10,32
